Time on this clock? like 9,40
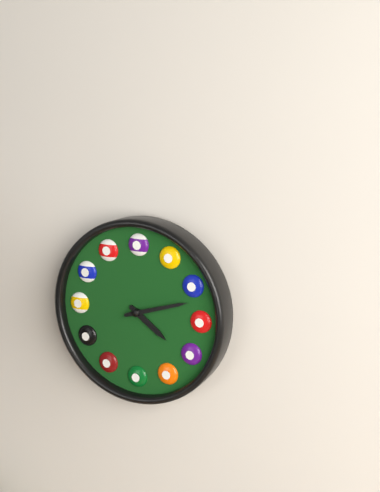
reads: 4,12
